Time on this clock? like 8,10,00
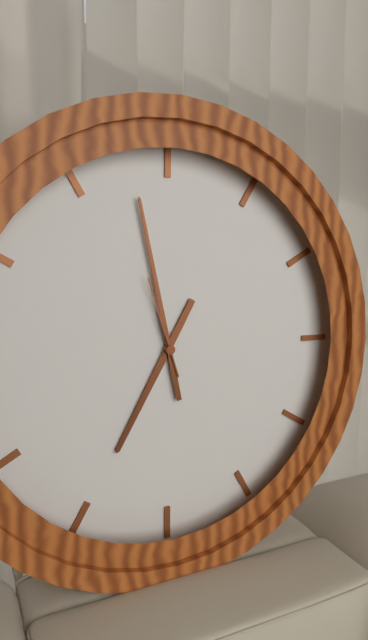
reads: 6,58,57
